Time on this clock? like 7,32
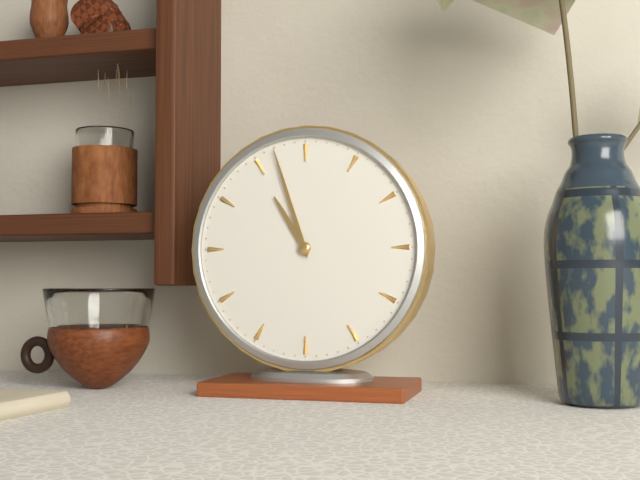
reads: 10,57
